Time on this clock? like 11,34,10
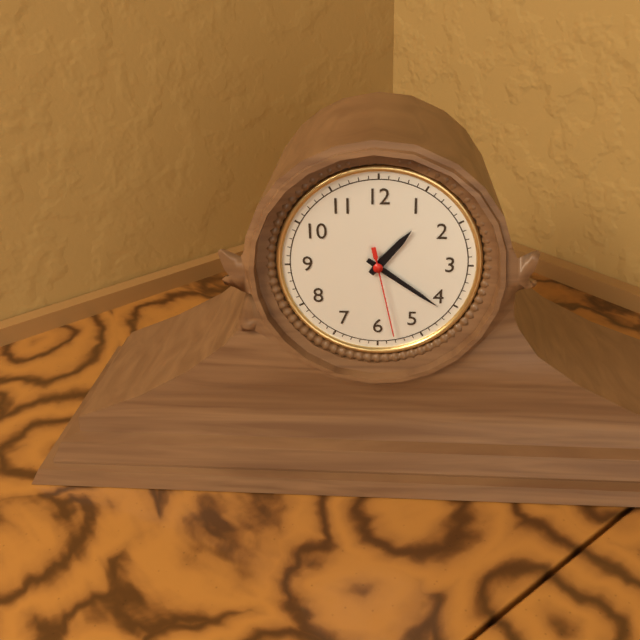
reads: 1,21,28
